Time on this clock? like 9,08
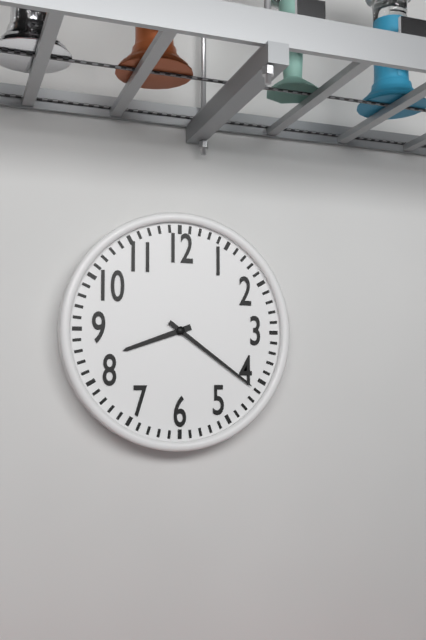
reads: 8,21
